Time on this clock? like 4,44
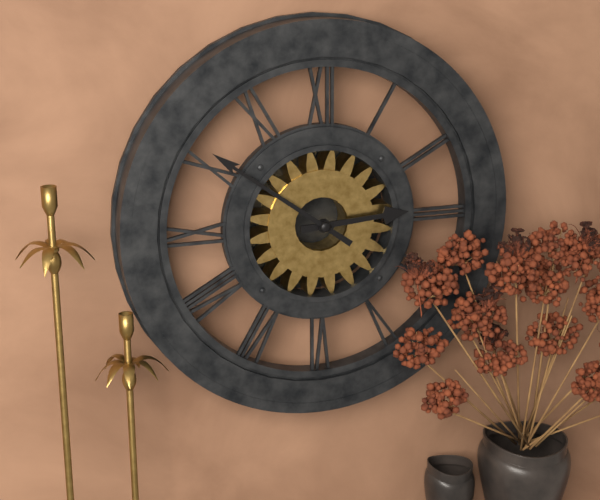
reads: 2,51
